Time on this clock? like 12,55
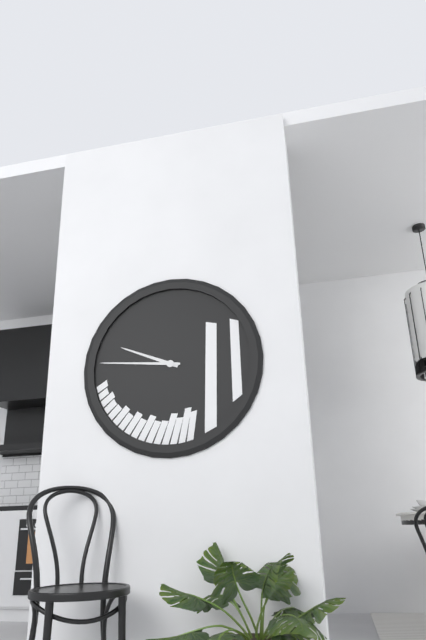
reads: 9,46
